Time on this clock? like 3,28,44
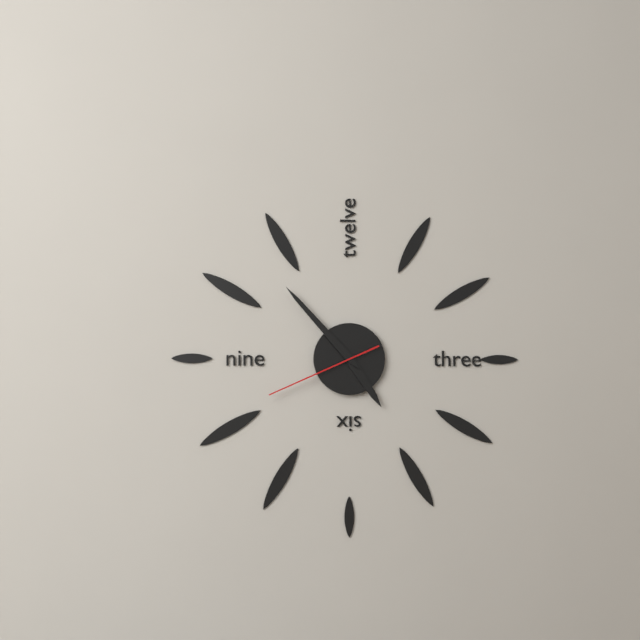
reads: 4,53,41
